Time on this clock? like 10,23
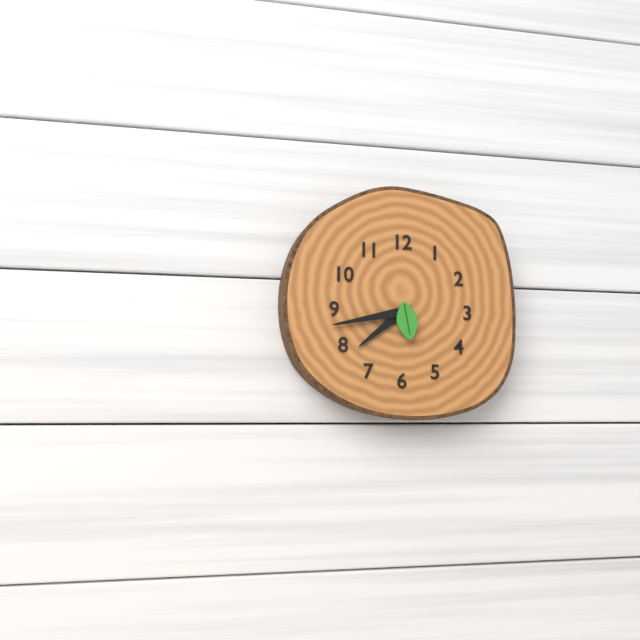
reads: 7,43
